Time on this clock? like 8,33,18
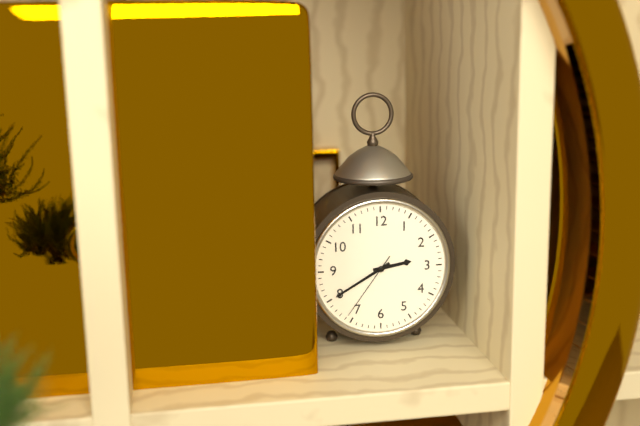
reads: 2,40,36
